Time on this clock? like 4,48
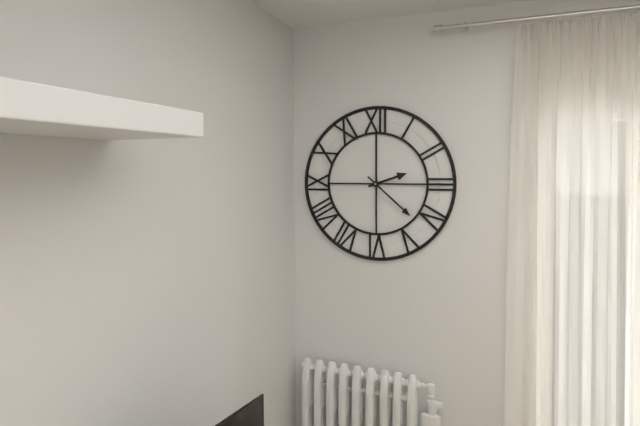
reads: 2,22
